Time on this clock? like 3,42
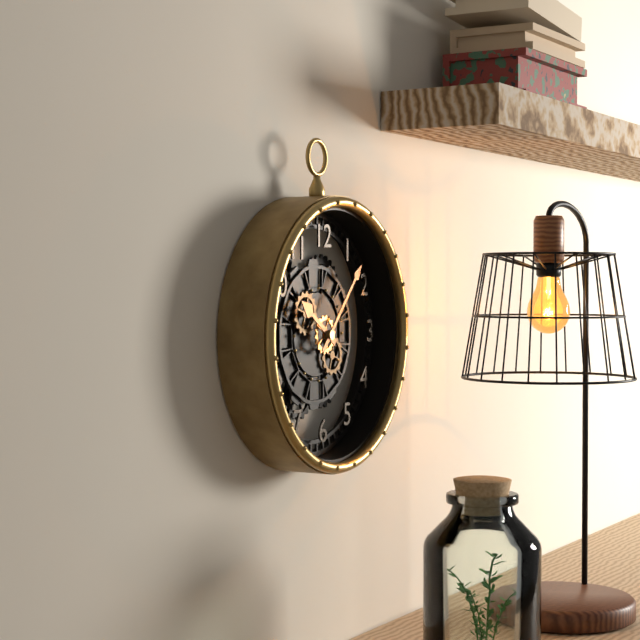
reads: 10,07
